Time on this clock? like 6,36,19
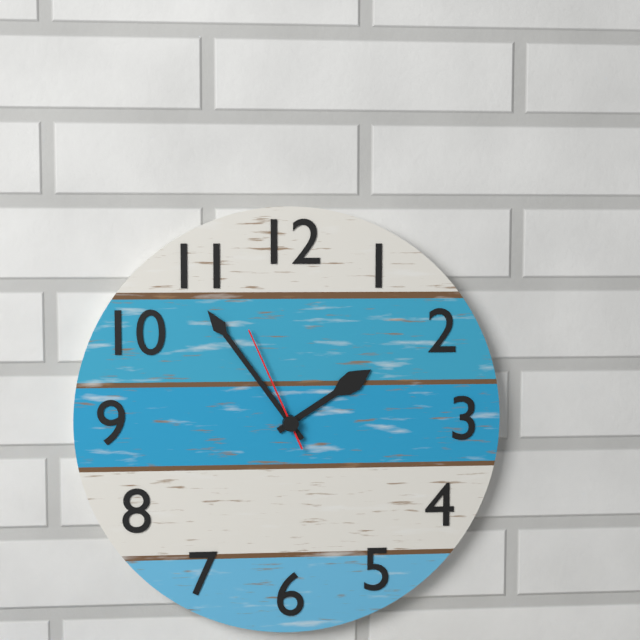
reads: 1,54,56
